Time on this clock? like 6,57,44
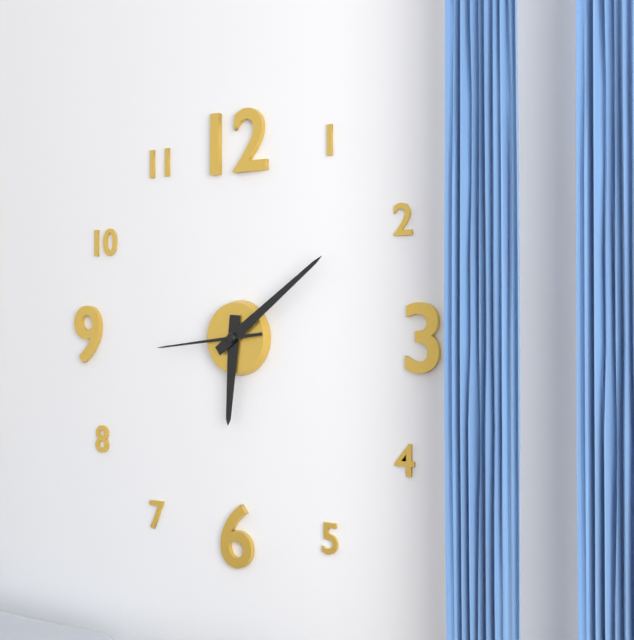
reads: 6,09,44
